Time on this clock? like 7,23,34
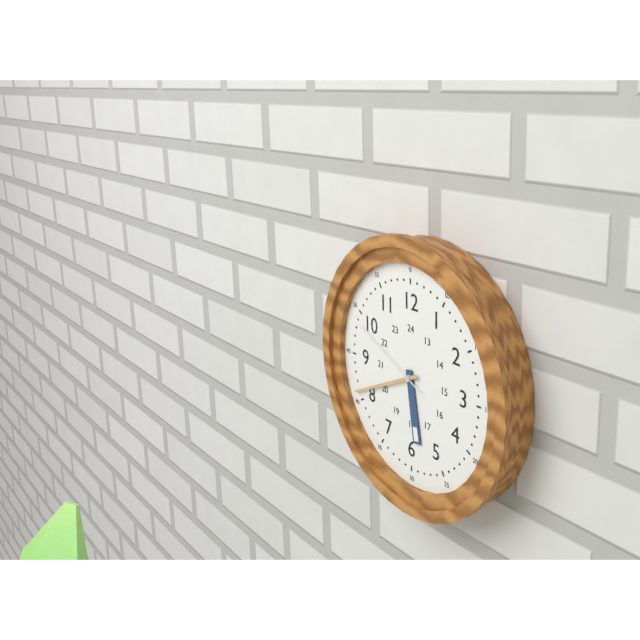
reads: 5,41,49
